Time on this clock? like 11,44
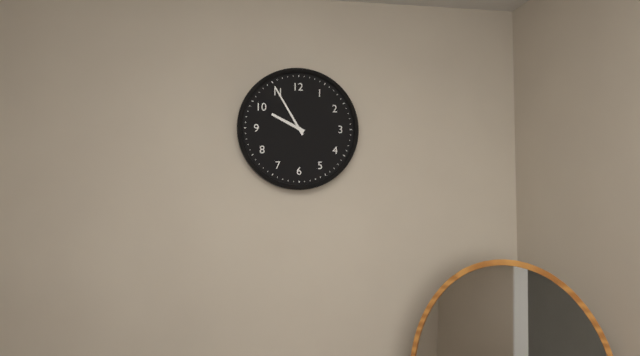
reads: 9,55
